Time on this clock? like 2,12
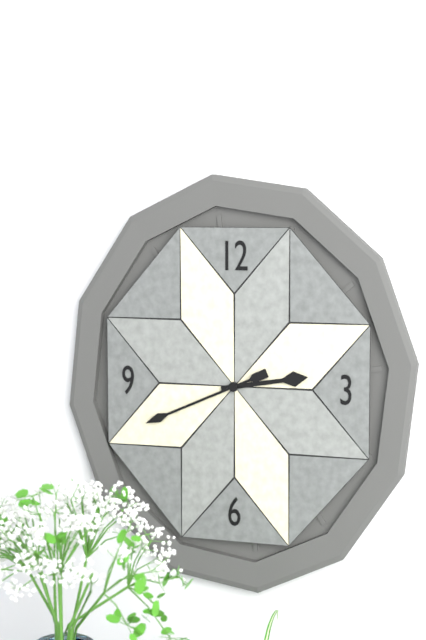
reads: 2,41
